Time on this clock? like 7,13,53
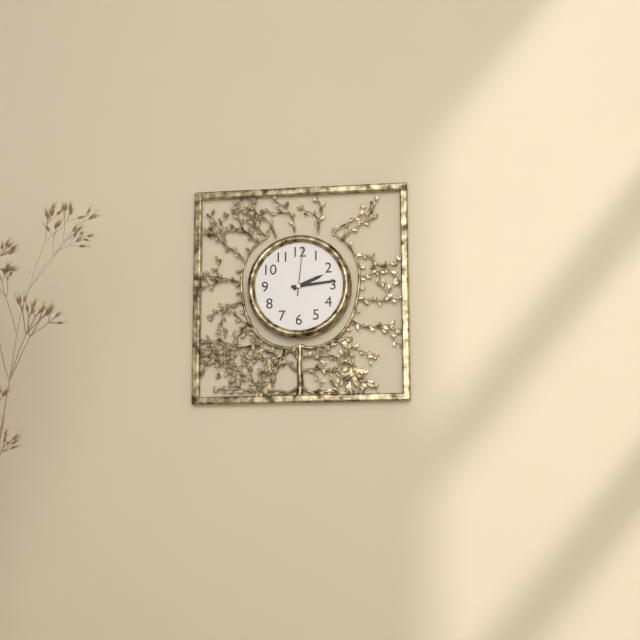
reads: 2,14,01
